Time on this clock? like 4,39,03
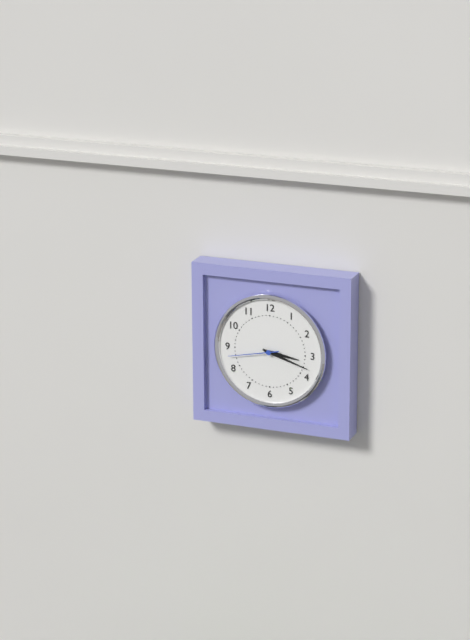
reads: 3,18,43
